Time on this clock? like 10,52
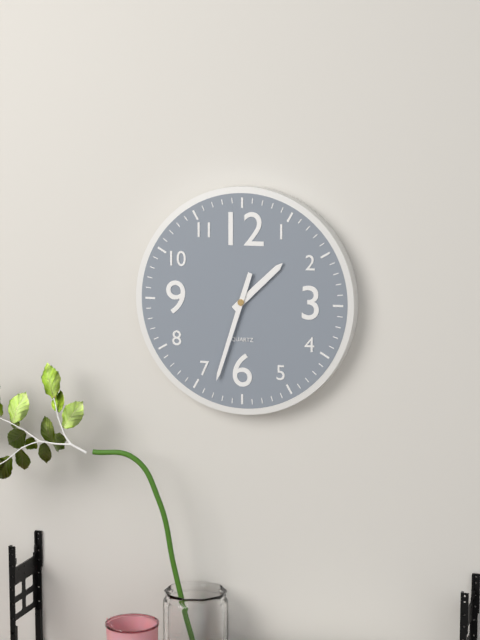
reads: 1,33
